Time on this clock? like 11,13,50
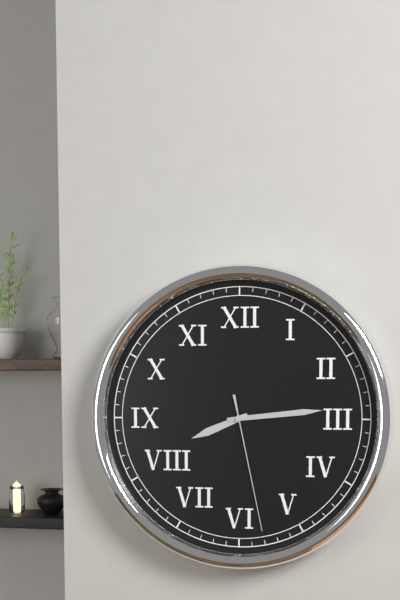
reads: 8,14,28
